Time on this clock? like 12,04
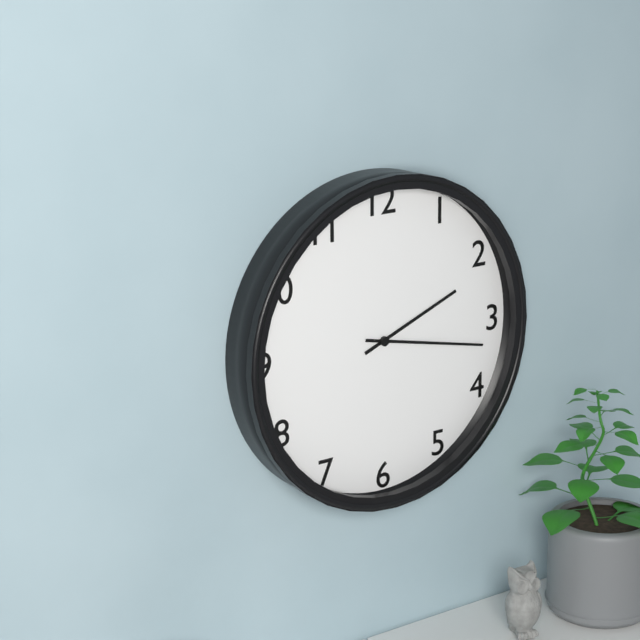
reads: 2,17
